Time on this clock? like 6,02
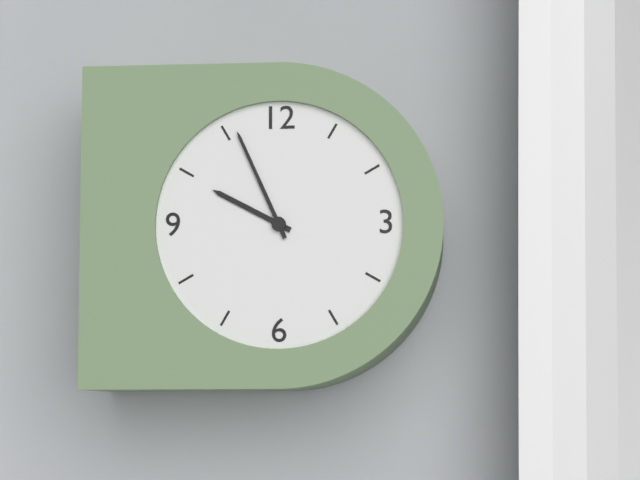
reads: 9,56
